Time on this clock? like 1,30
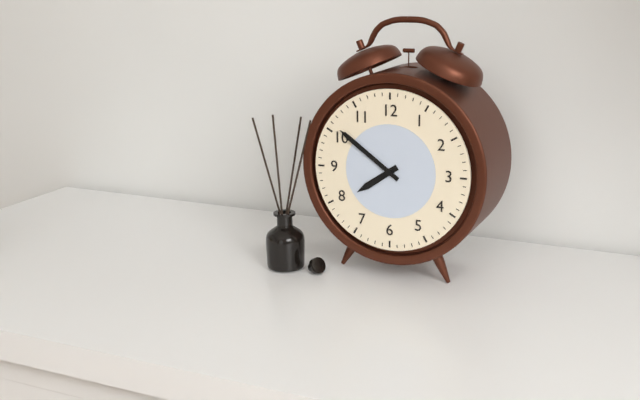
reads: 7,51
